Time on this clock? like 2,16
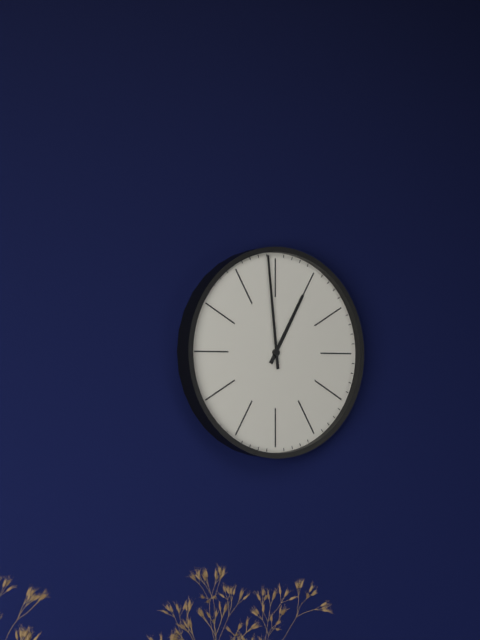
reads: 12,59
